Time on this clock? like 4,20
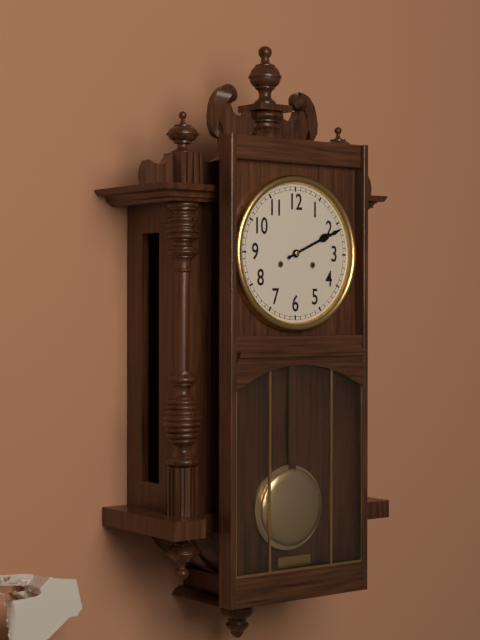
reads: 2,11
